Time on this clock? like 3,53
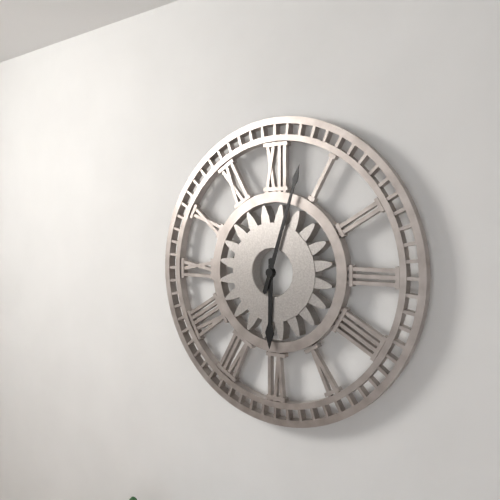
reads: 6,03
